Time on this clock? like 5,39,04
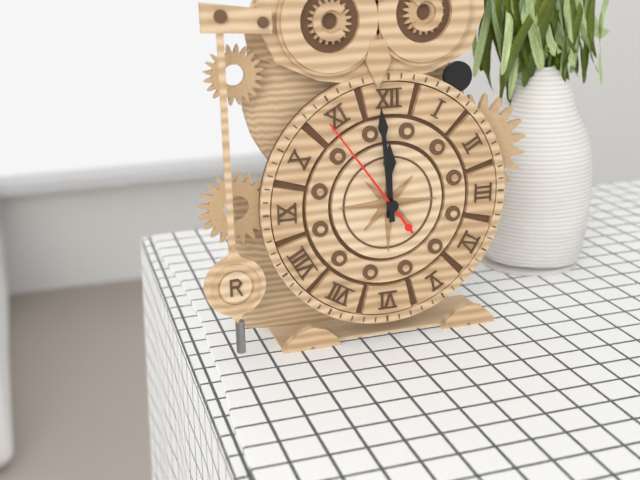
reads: 11,59,54
